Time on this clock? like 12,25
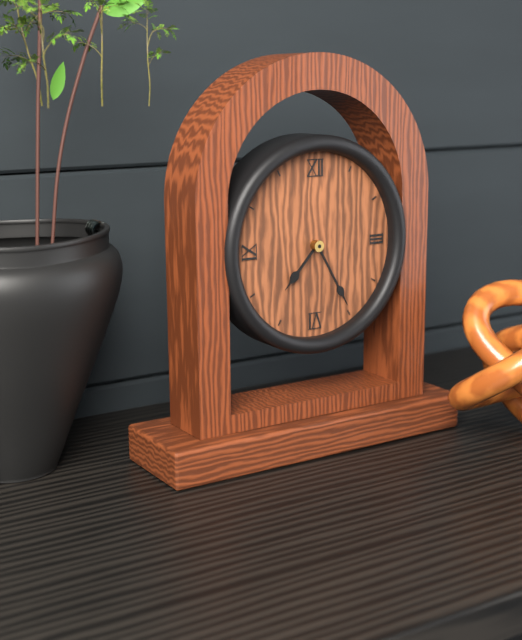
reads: 7,25
